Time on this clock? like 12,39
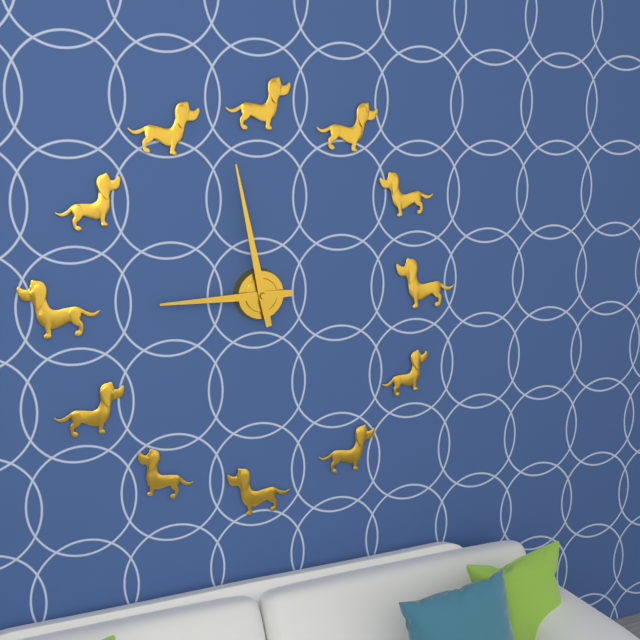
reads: 8,58
